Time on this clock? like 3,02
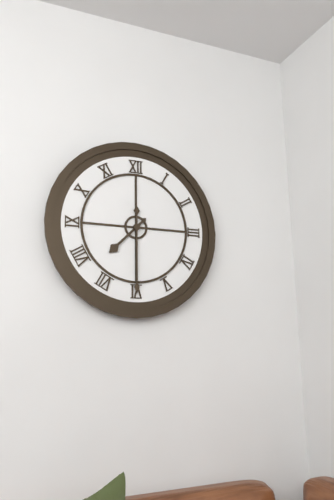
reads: 7,30
